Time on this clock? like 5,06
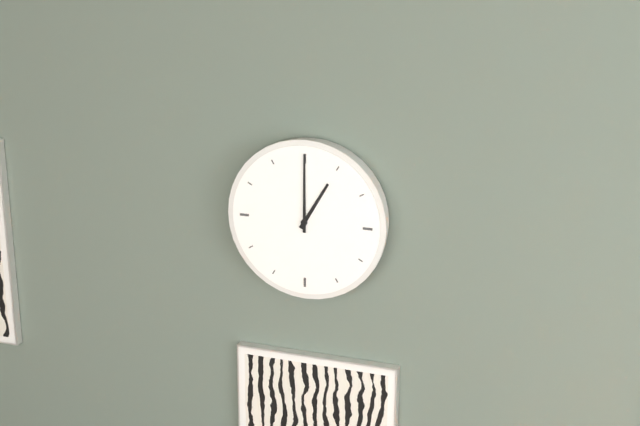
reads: 1,00
